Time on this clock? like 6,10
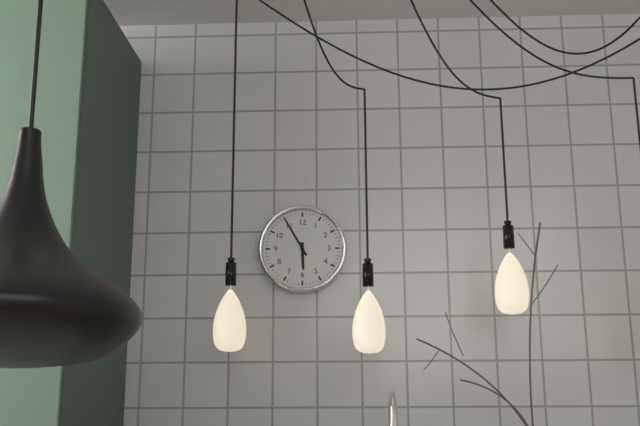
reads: 5,55
